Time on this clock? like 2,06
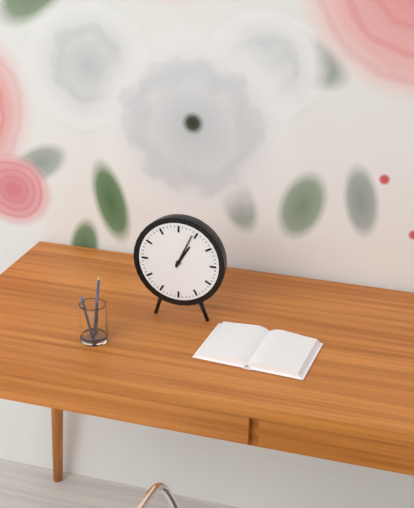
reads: 1,04
